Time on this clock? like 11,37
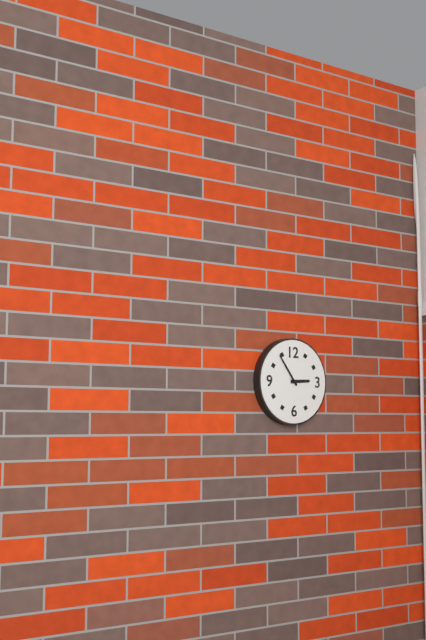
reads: 2,54
